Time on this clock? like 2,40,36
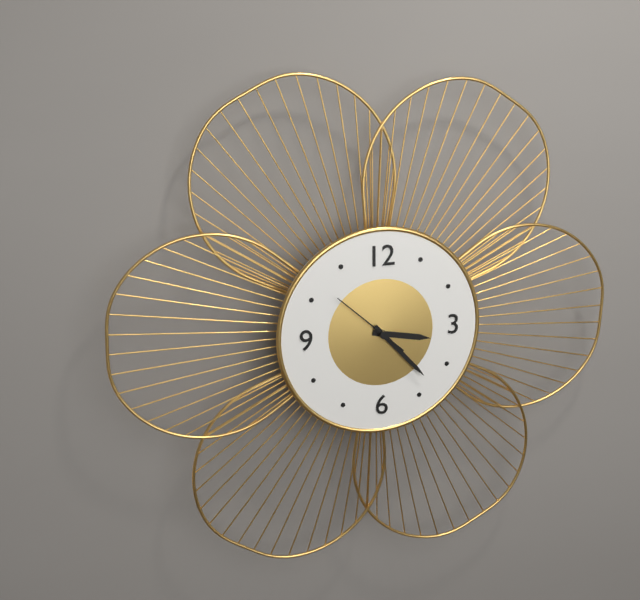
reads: 3,23,52
